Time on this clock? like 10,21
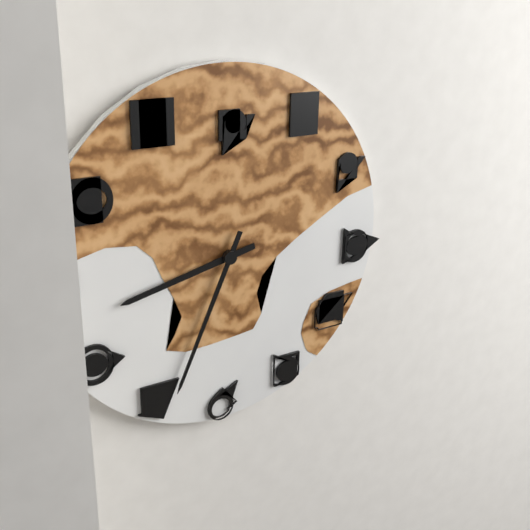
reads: 8,34
